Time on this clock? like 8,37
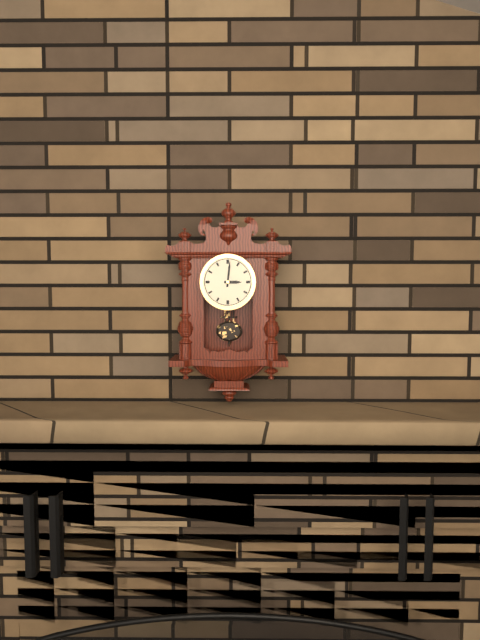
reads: 3,01
